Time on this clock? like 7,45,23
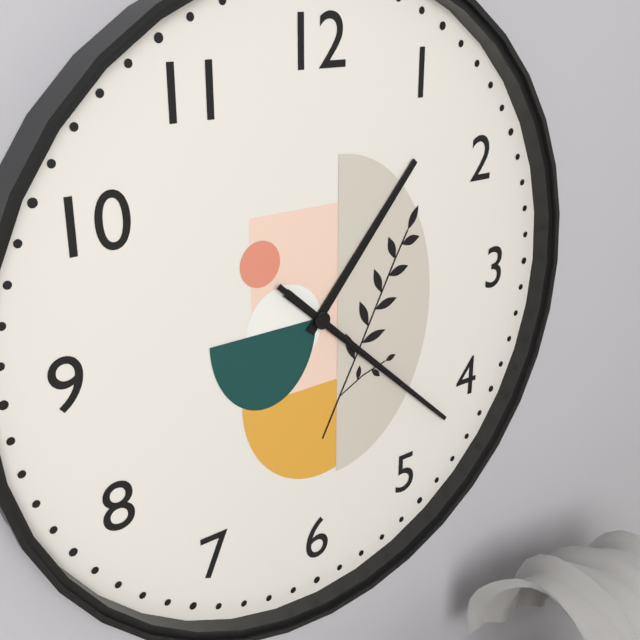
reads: 1,22,22
